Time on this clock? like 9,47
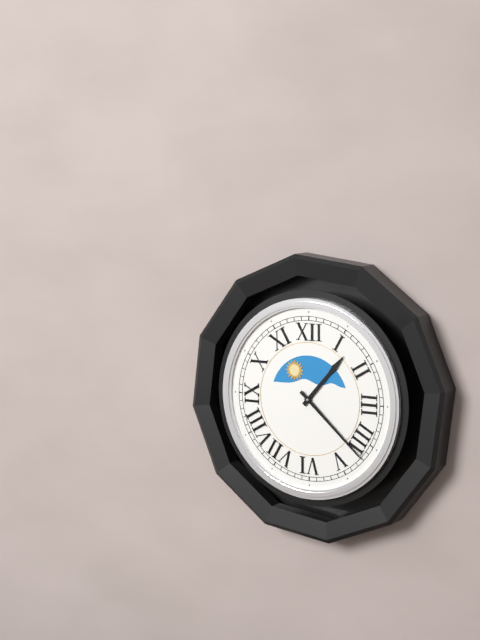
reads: 1,22
